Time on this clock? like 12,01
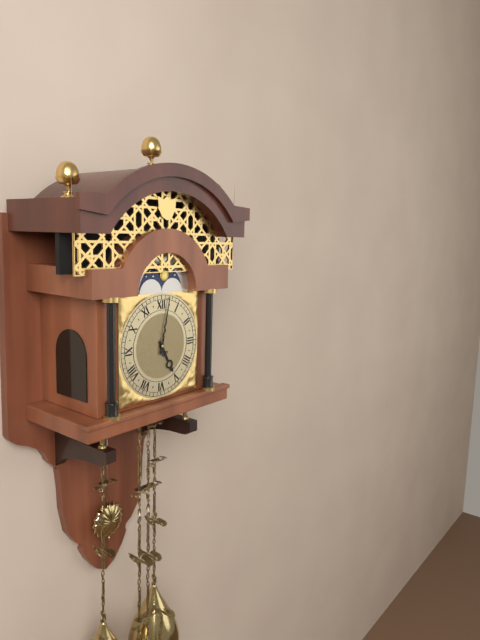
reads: 5,02
